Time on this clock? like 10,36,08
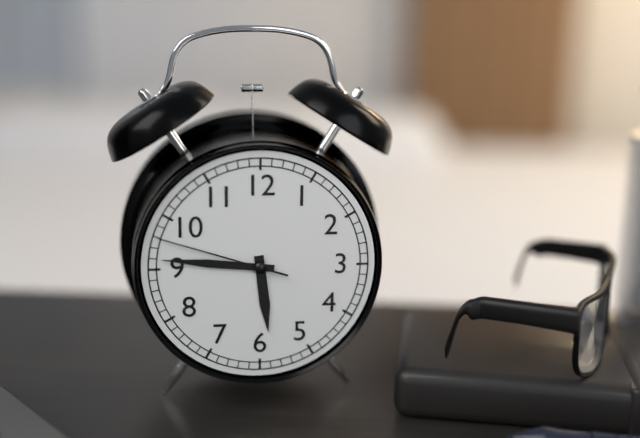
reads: 5,46,48
